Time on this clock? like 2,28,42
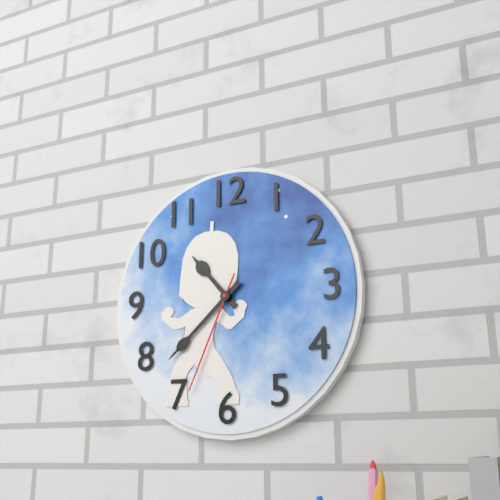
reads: 10,38,34
